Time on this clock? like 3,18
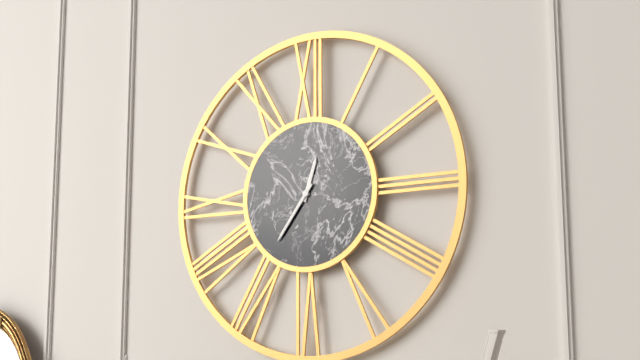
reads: 12,36
